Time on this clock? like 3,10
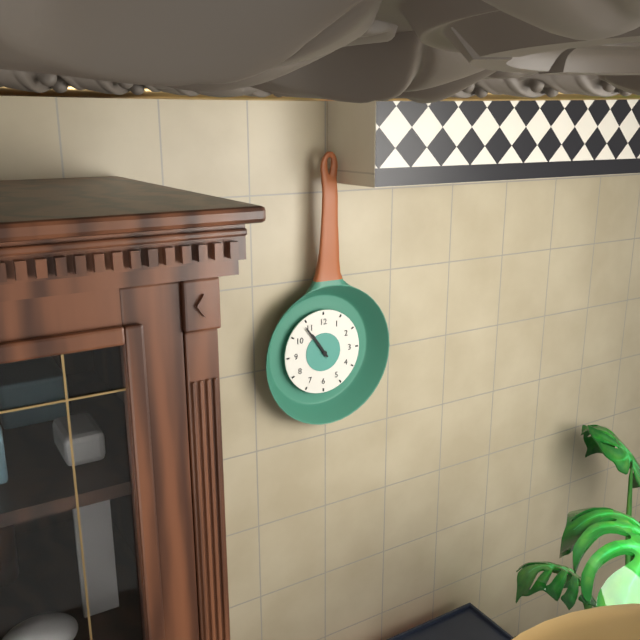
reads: 10,54
